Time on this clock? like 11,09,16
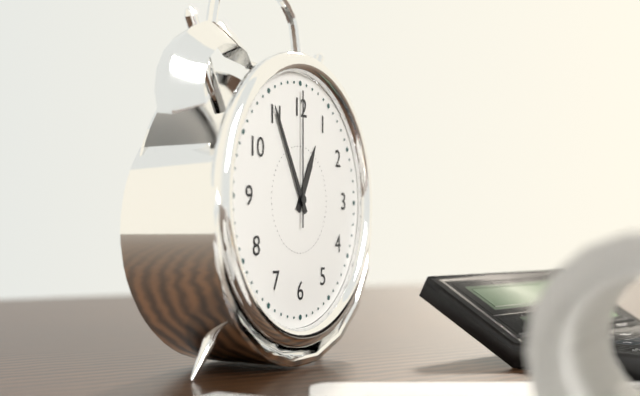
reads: 12,55,00
